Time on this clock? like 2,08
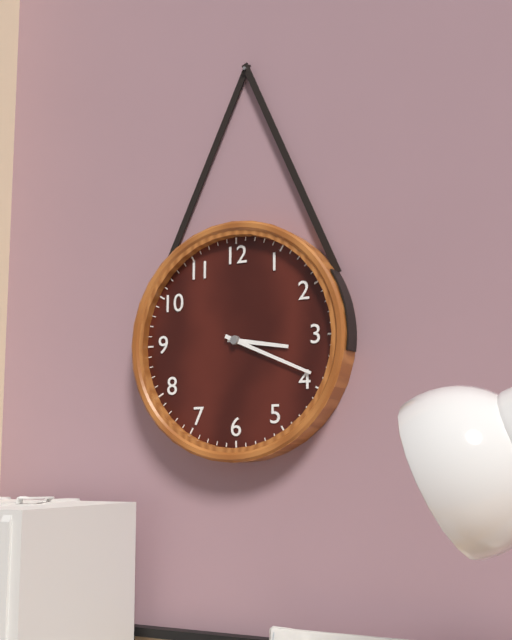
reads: 3,19
